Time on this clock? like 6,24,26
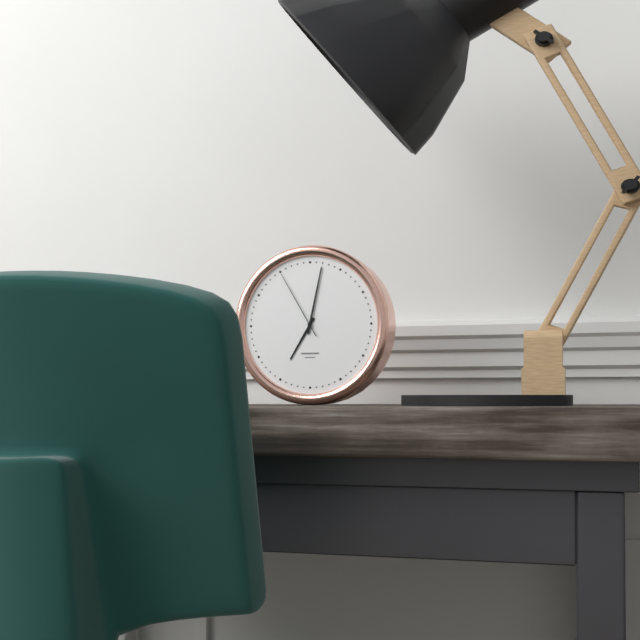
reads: 7,02,55
